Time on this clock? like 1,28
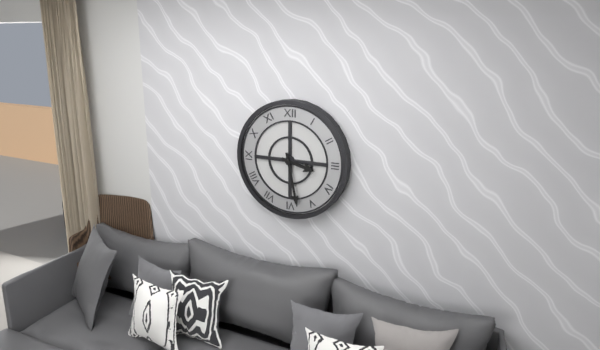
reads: 3,28
